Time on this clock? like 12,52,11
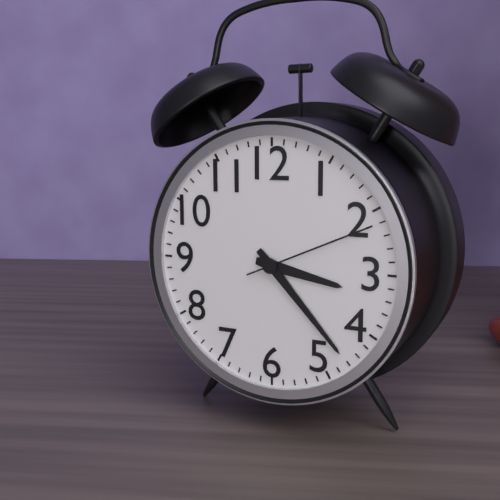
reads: 3,23,11
